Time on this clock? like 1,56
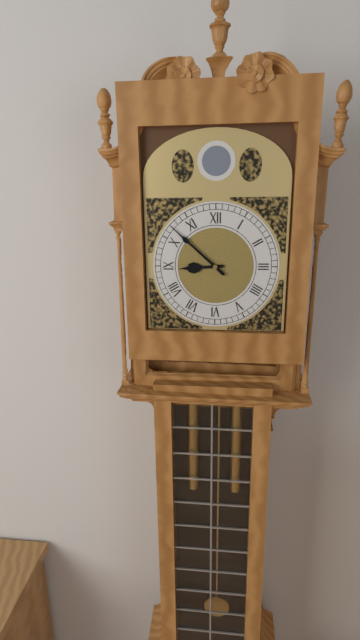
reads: 8,52
